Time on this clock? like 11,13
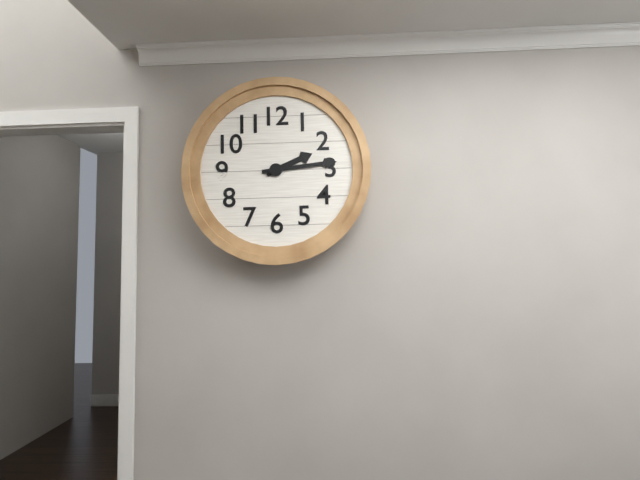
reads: 2,14
